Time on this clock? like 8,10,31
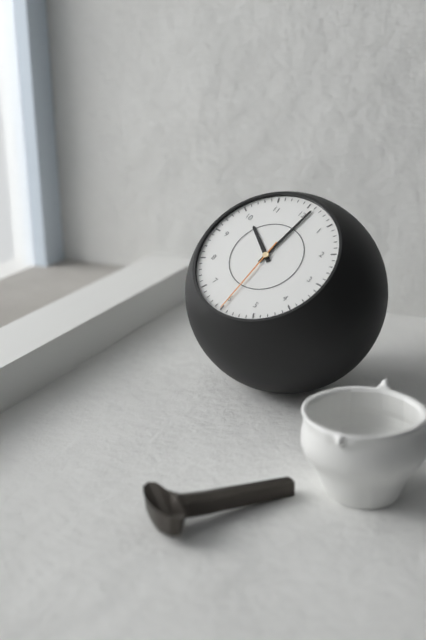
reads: 10,01,30
